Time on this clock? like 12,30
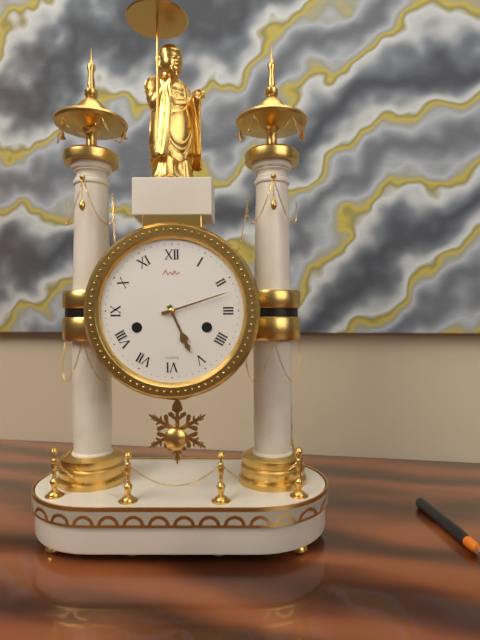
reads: 5,12
